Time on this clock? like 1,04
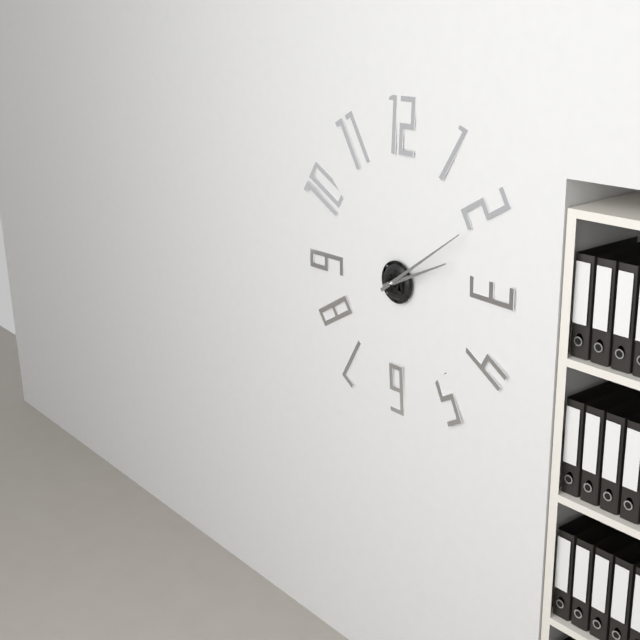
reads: 2,09
